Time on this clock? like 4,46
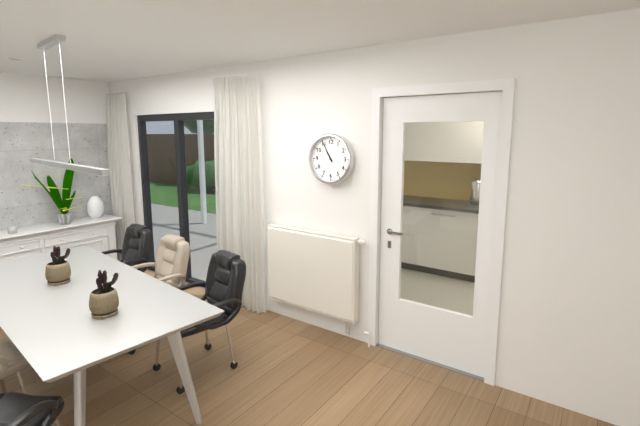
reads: 10,55
